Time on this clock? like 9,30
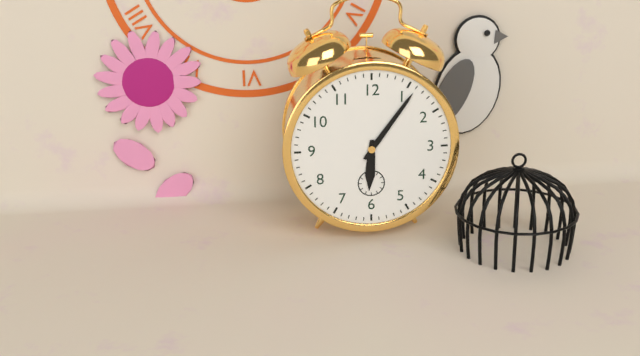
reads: 6,06
